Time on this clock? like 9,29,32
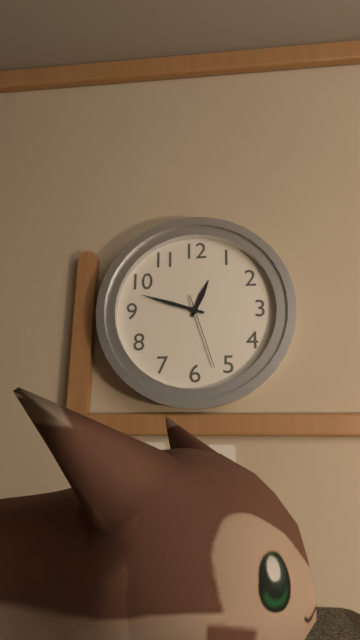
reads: 12,48,27
